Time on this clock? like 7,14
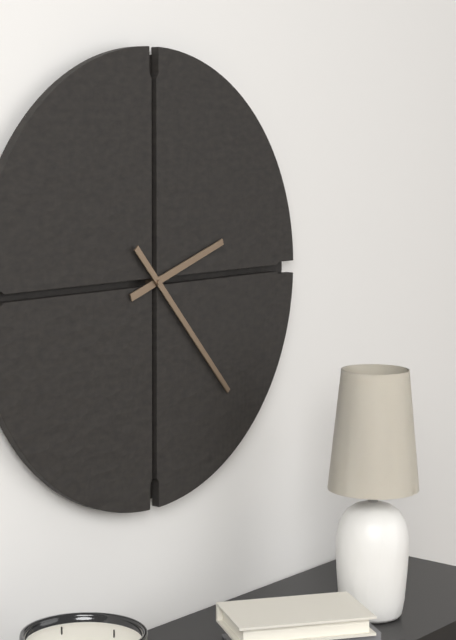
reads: 2,23
